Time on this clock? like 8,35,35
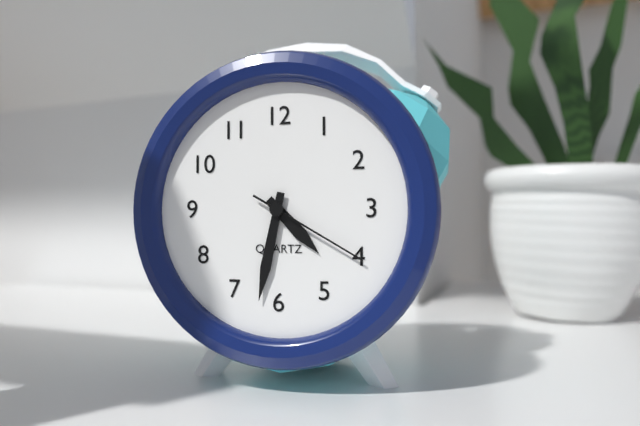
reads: 4,32,20
